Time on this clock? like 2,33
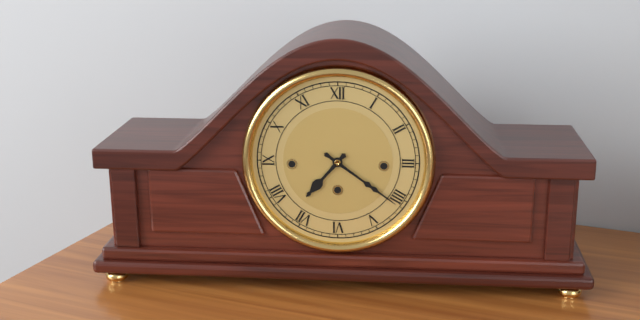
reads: 7,21
